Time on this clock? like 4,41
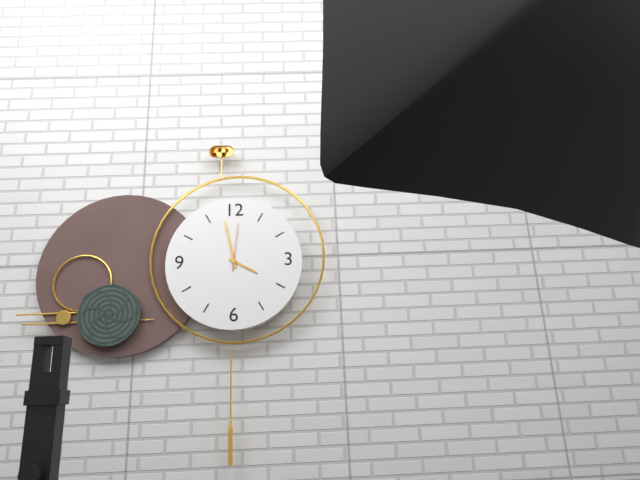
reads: 3,58
